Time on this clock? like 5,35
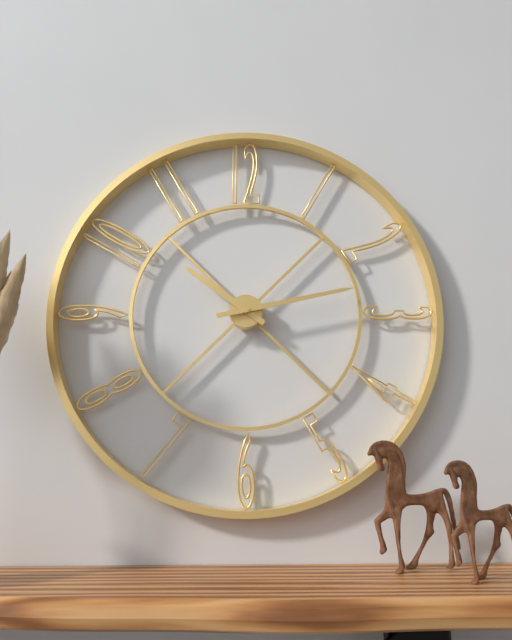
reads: 10,13
